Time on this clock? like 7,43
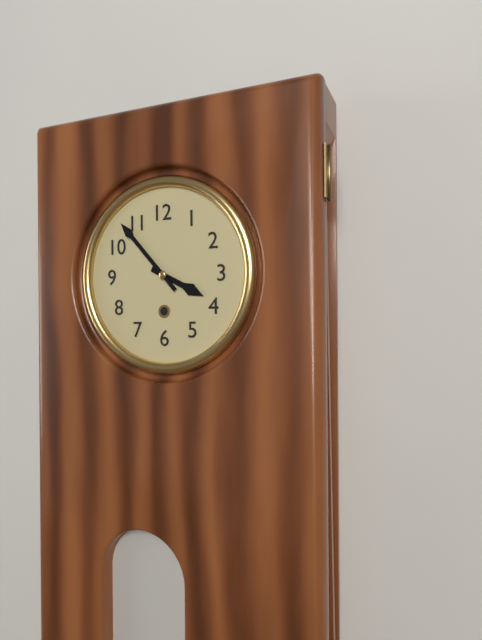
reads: 3,53
